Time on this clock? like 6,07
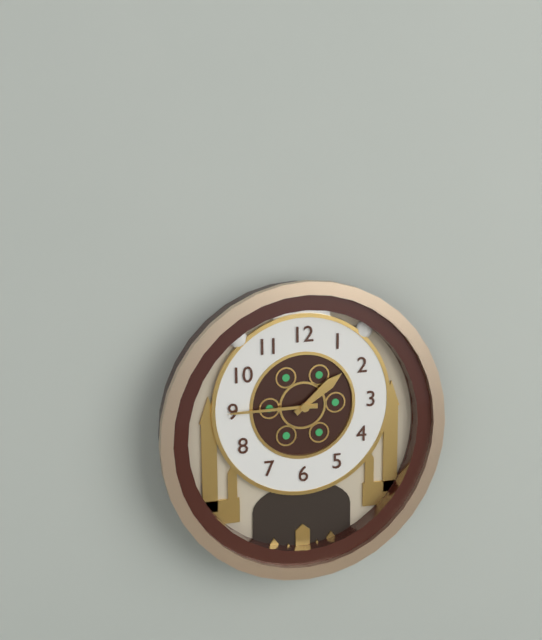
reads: 1,45
